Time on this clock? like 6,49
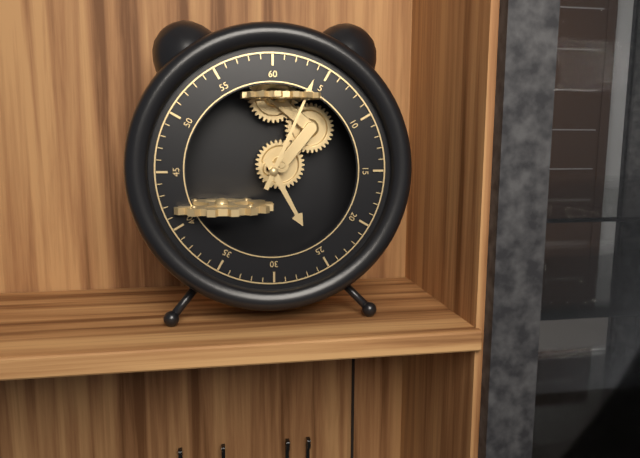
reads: 5,04
